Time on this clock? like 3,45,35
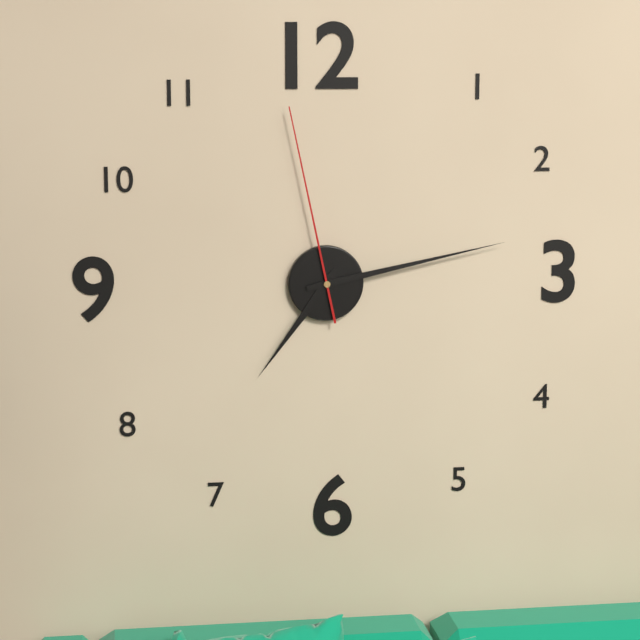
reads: 7,13,58
